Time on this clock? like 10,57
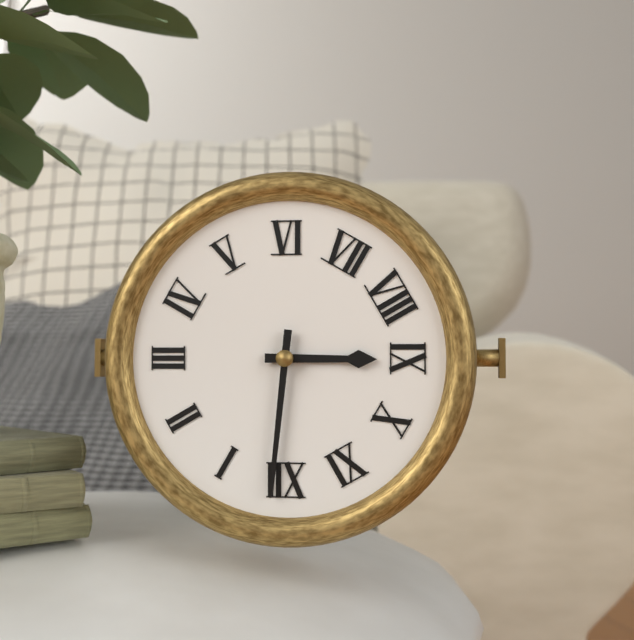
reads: 9,01
